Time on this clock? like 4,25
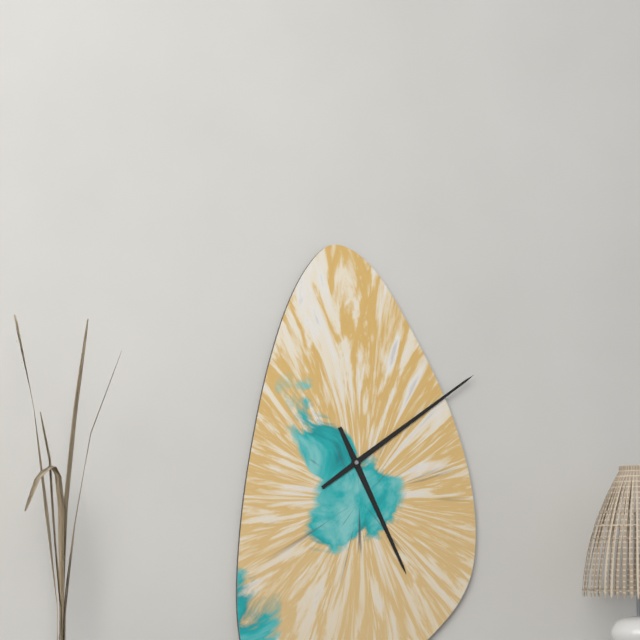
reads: 5,09
